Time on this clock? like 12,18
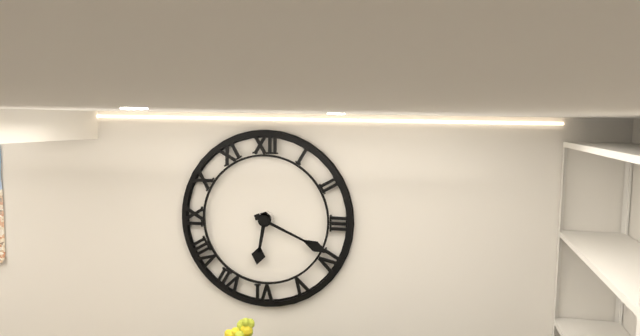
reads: 6,19
